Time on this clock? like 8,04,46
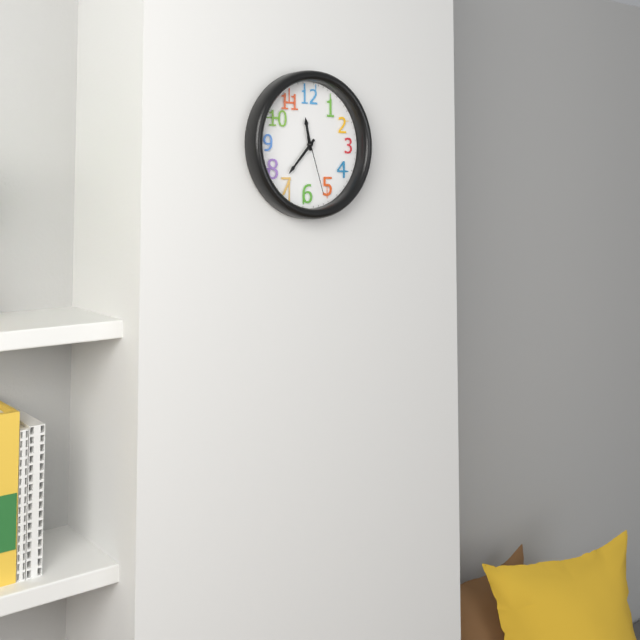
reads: 11,37,27
